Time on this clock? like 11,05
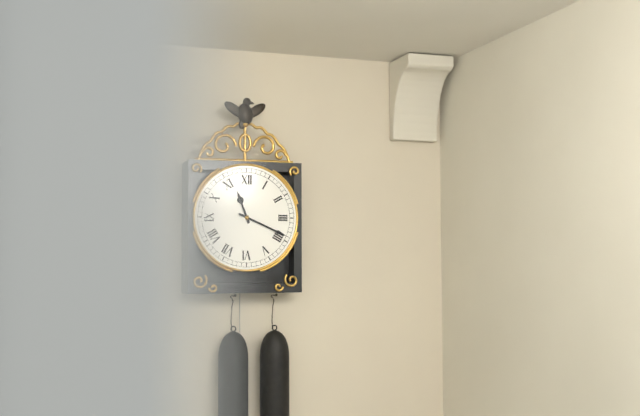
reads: 11,19
